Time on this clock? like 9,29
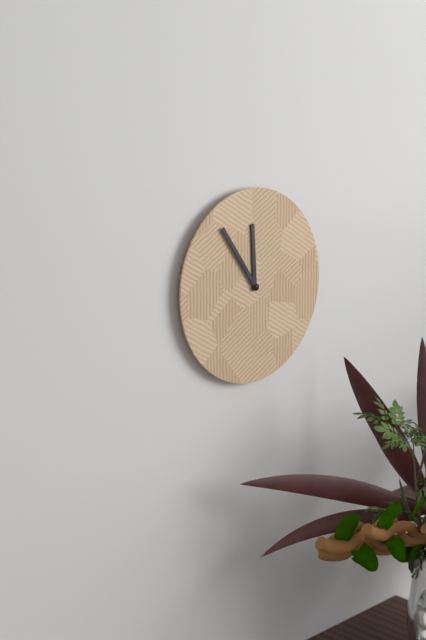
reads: 11,54
